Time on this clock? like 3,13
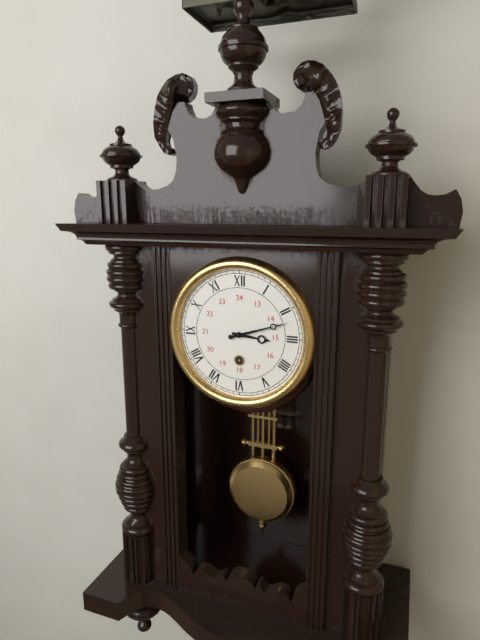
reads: 3,12
